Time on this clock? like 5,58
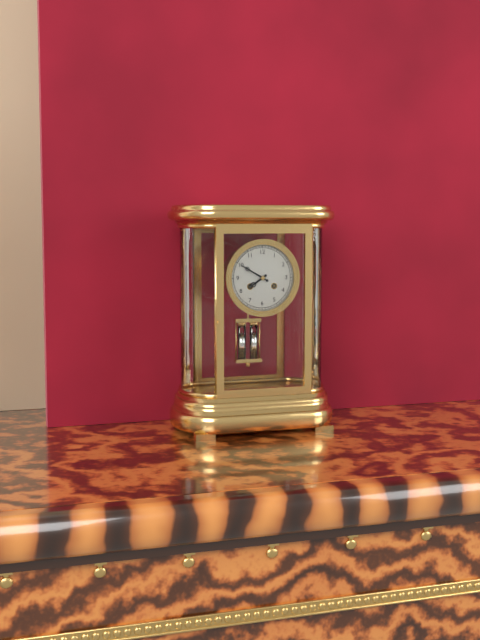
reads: 7,50
